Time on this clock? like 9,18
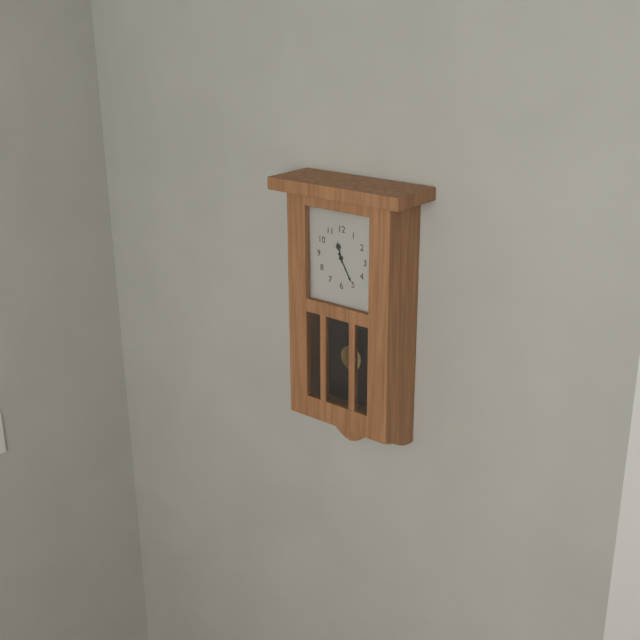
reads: 11,25
